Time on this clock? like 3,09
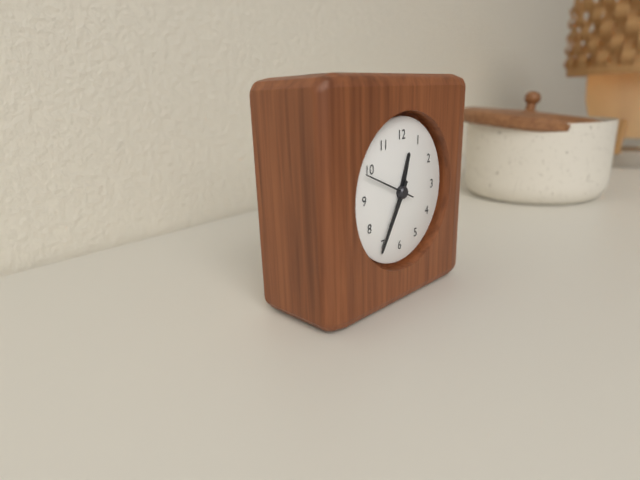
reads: 12,35
